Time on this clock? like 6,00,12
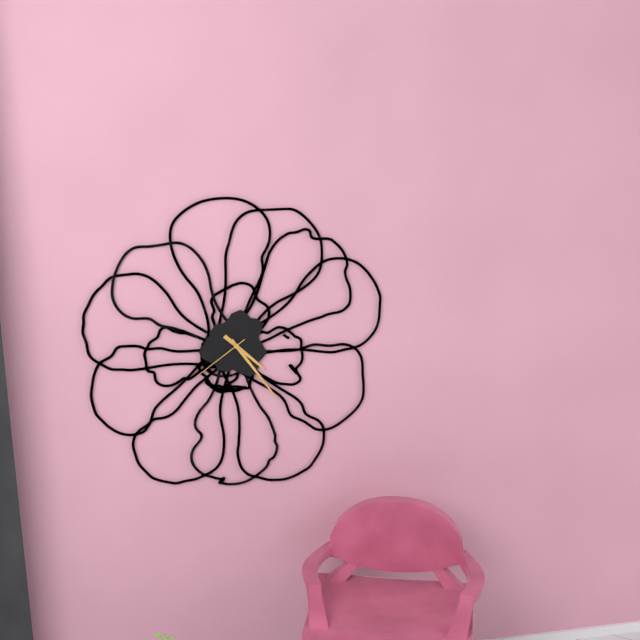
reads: 4,24,39
